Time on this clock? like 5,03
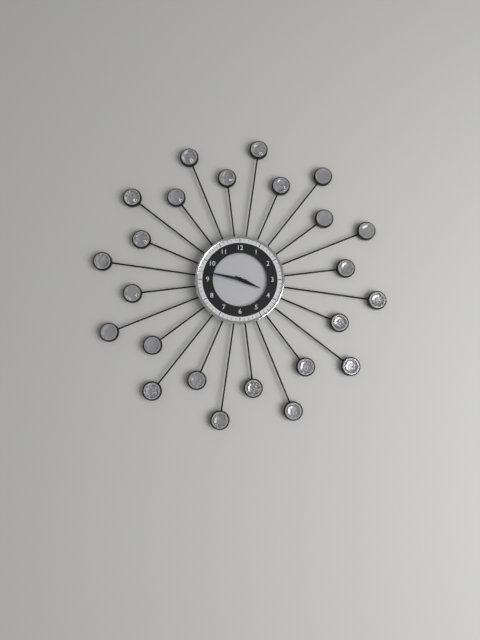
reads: 3,47
